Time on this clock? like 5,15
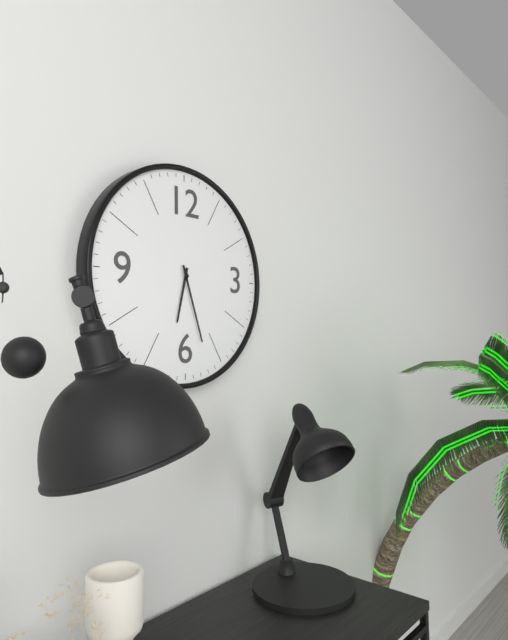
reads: 6,27
